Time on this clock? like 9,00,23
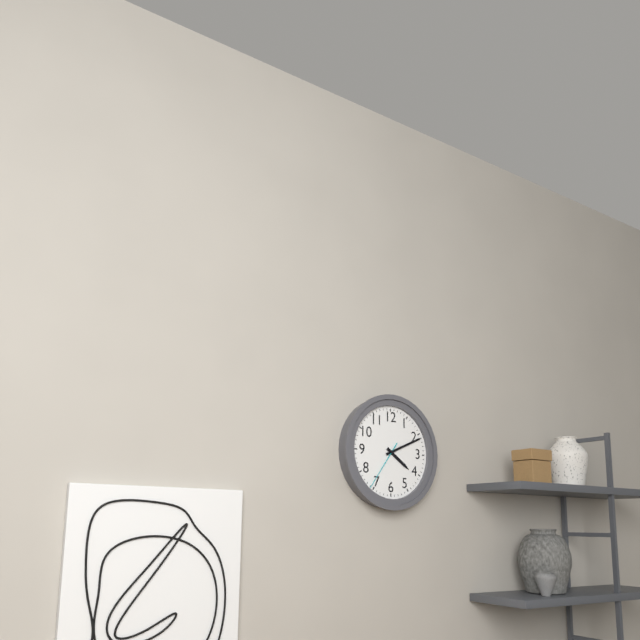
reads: 4,11,36
